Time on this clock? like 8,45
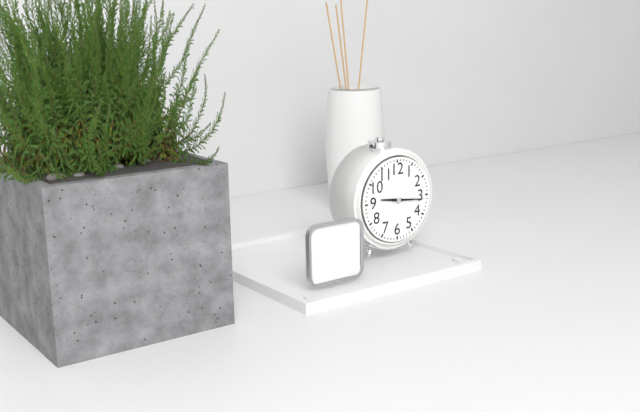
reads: 9,16
